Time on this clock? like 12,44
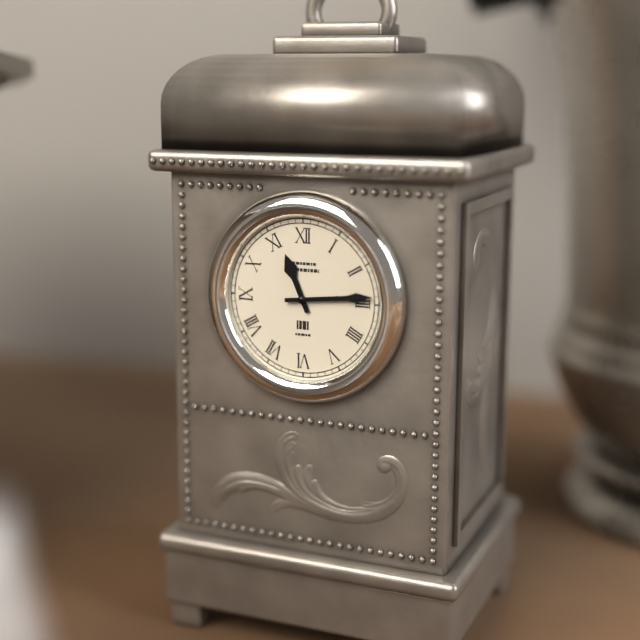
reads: 11,14
